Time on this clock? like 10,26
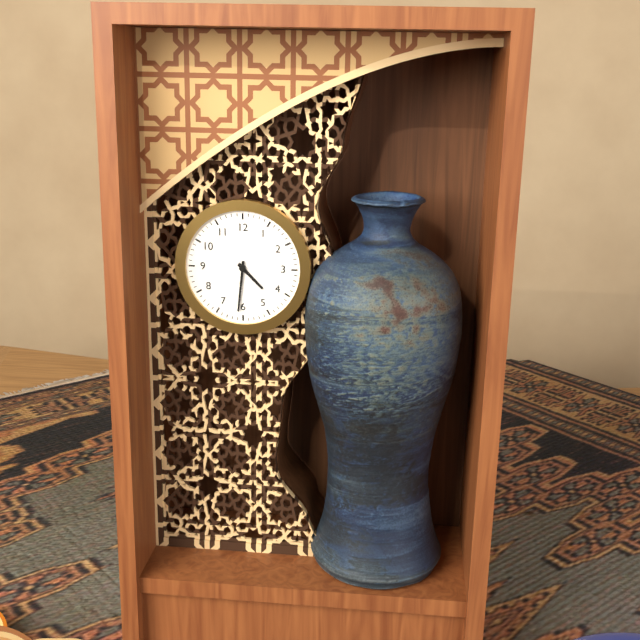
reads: 4,31
